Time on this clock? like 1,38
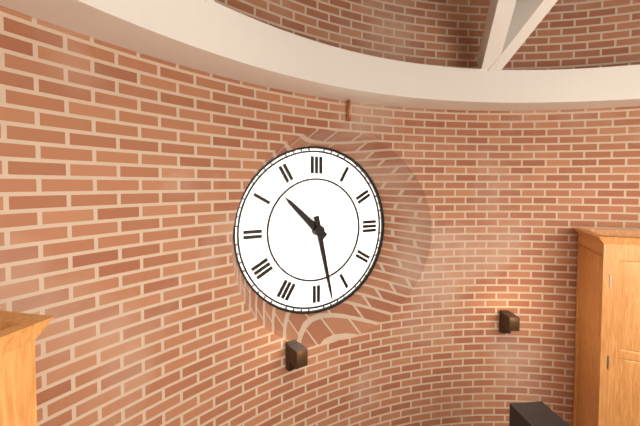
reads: 10,28
